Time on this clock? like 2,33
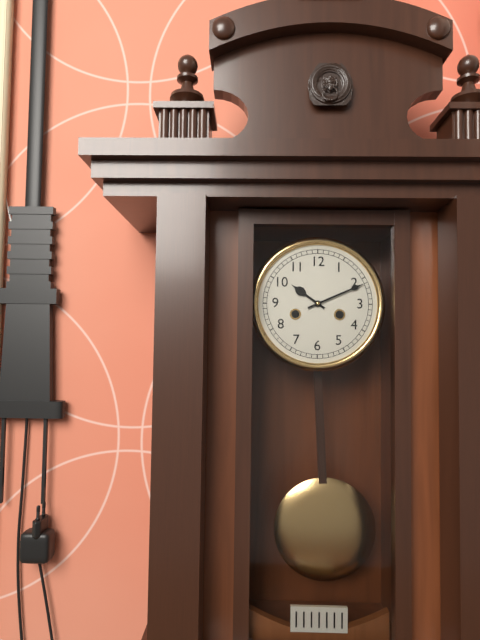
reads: 10,11
